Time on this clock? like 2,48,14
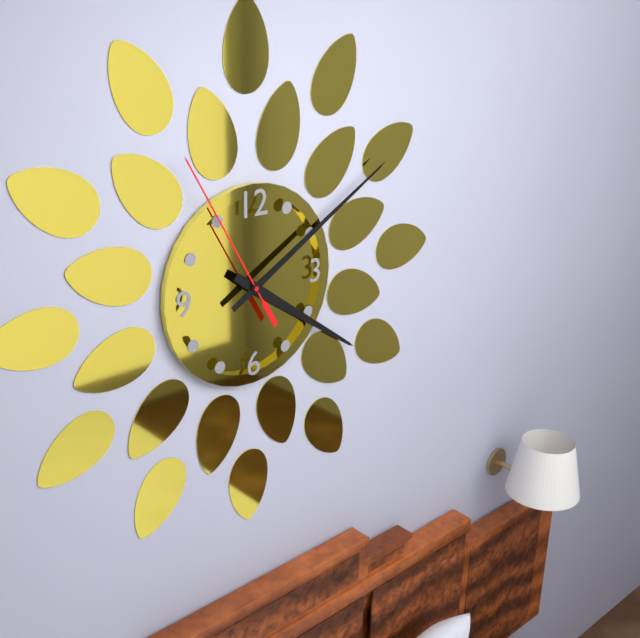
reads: 4,10,55
